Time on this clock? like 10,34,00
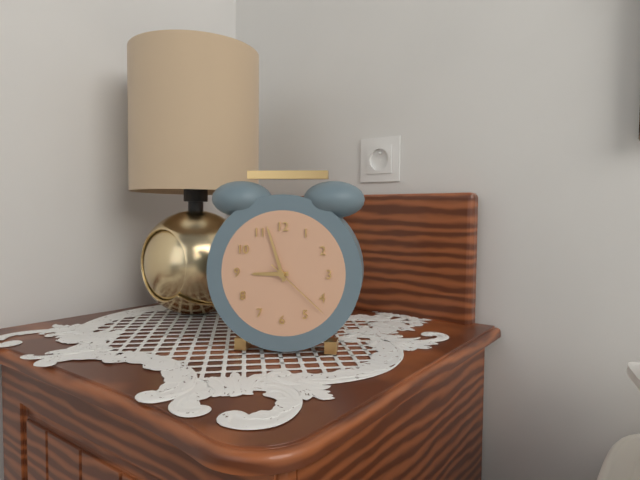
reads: 8,57,22
